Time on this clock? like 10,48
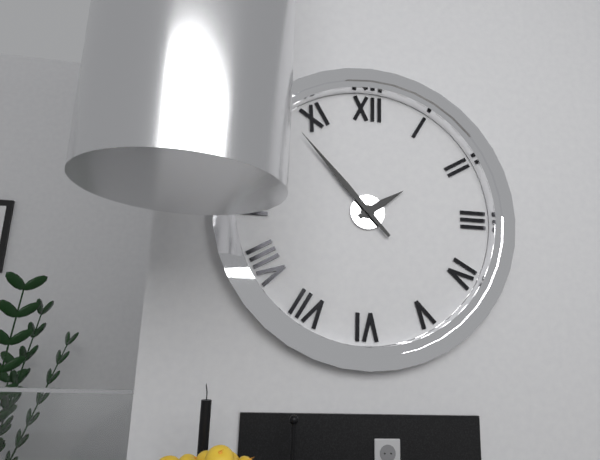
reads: 1,53
